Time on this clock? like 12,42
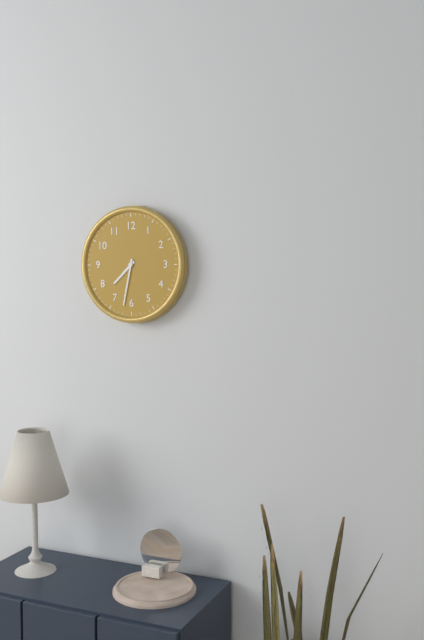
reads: 7,32
